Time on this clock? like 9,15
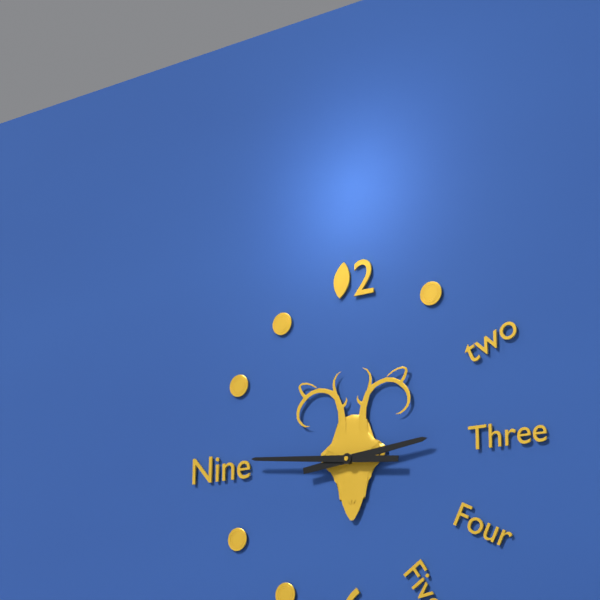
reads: 2,46
